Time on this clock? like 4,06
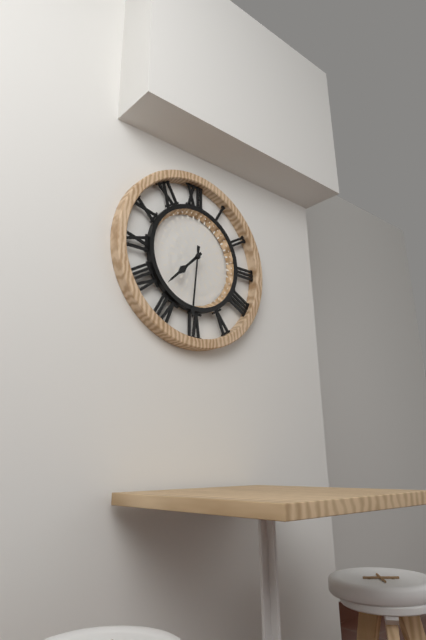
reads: 7,31
